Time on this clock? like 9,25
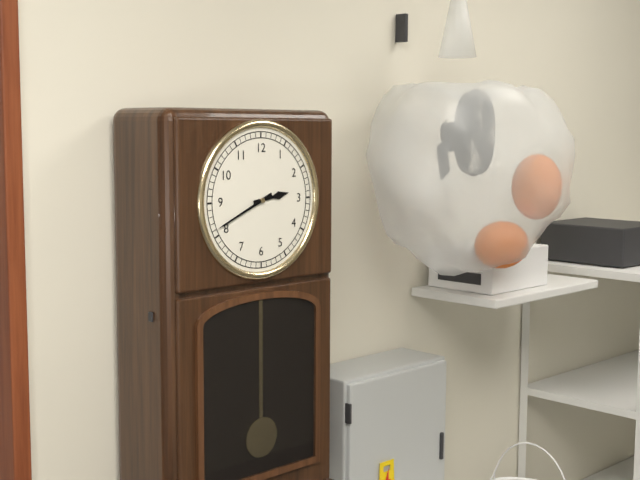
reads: 2,41
